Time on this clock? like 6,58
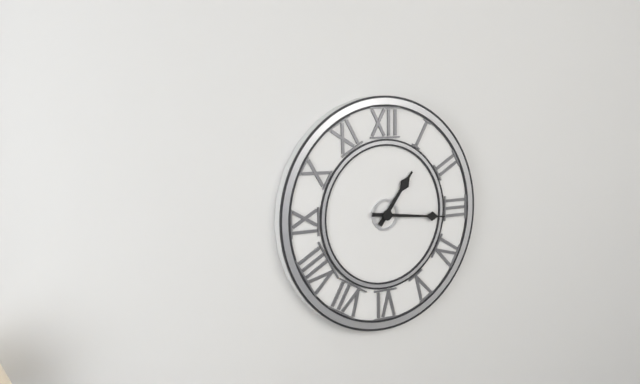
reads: 1,16
